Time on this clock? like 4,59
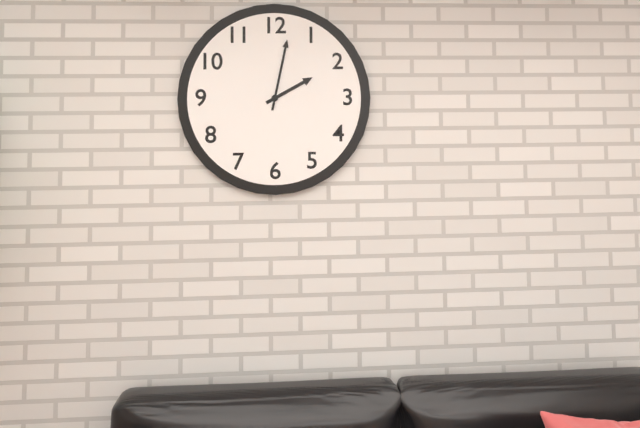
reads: 2,02
